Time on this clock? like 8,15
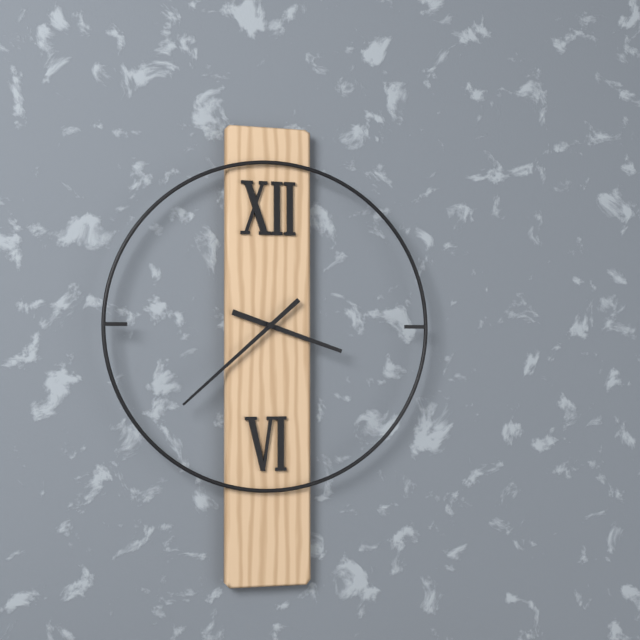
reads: 3,38
